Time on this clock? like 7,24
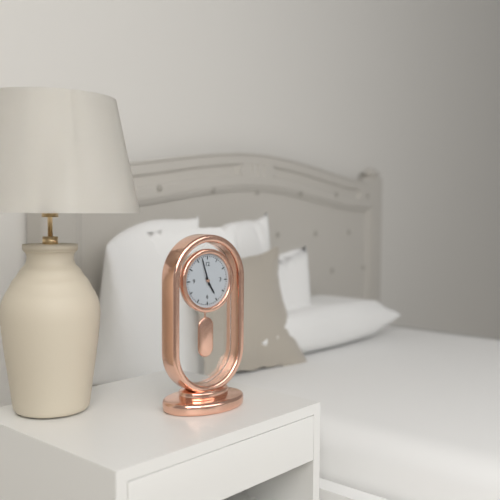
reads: 4,57
